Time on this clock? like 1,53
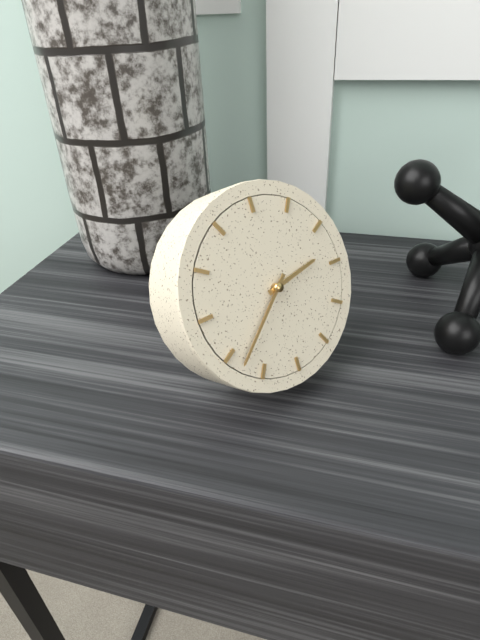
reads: 2,38
